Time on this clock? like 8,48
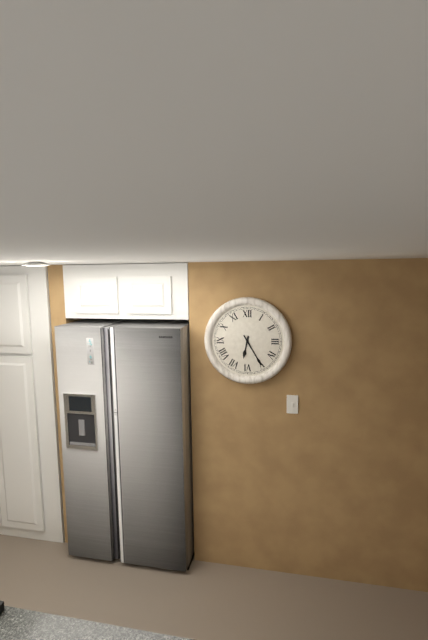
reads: 6,25
